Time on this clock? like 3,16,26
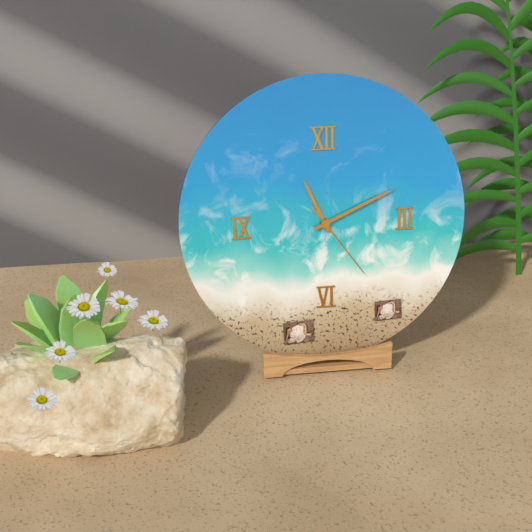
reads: 11,11,24
